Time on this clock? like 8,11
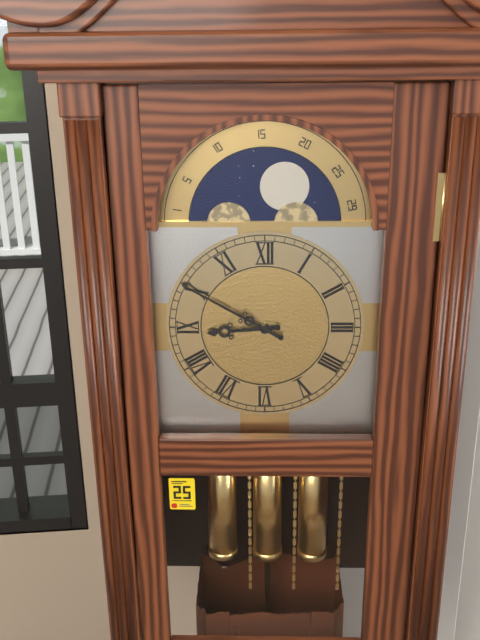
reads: 8,50
